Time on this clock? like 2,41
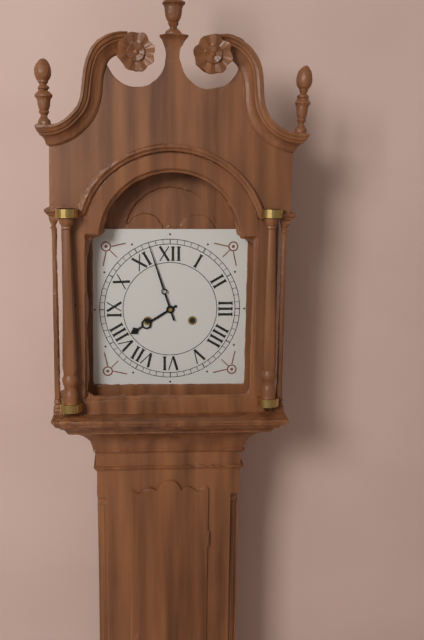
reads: 7,57
